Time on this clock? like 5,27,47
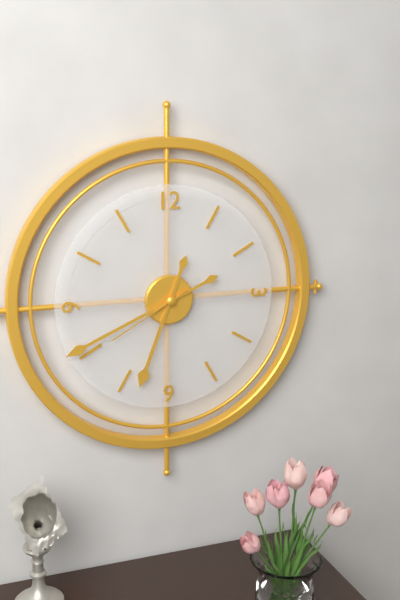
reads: 6,41,40
